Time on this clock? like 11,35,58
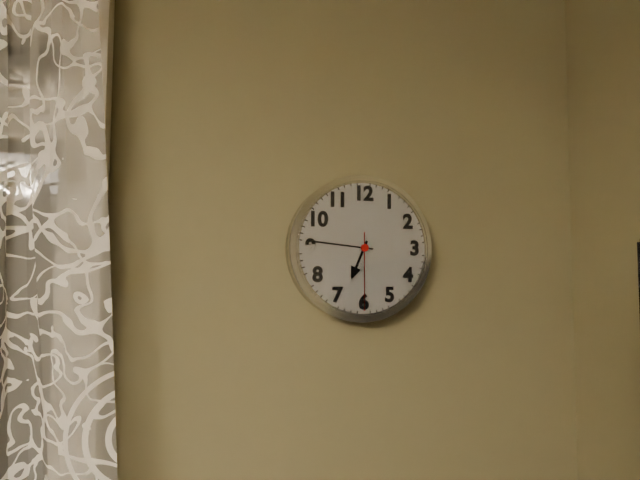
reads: 6,46,30
